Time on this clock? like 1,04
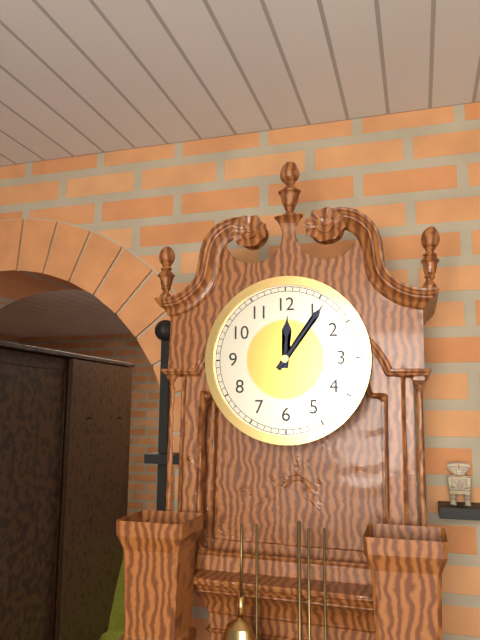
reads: 12,06
